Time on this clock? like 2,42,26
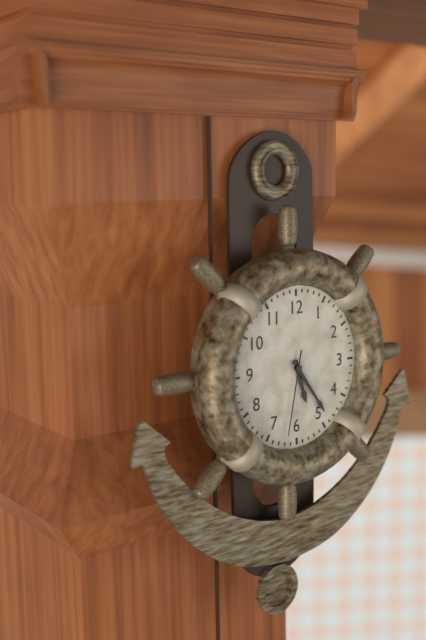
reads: 5,24,32
